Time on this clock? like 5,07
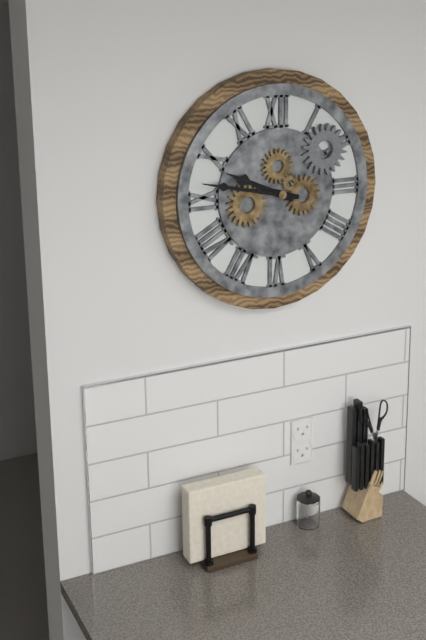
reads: 9,47
